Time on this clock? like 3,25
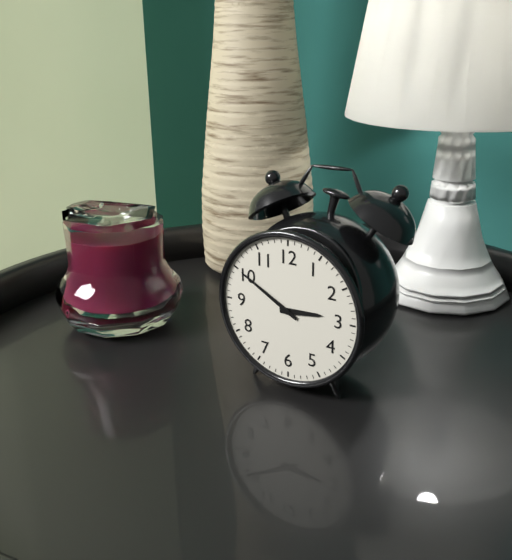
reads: 2,50
